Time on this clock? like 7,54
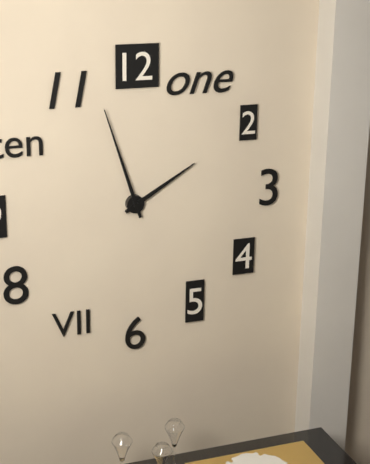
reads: 1,57
